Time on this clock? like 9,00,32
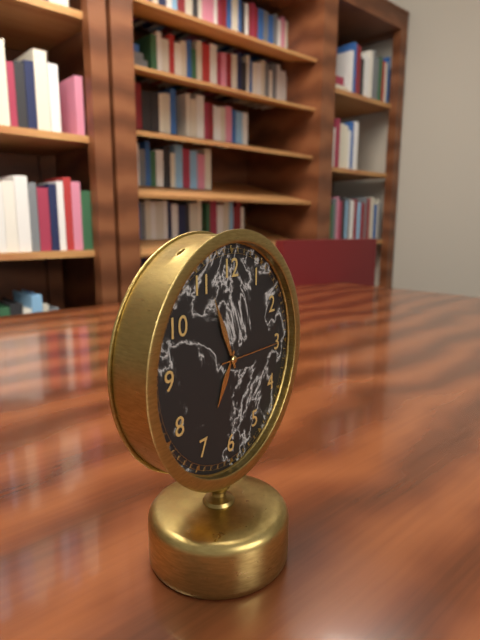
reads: 6,56,15
